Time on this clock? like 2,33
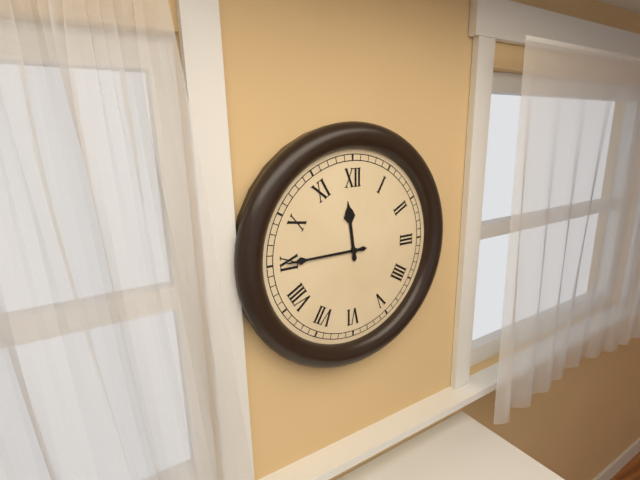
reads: 11,45
